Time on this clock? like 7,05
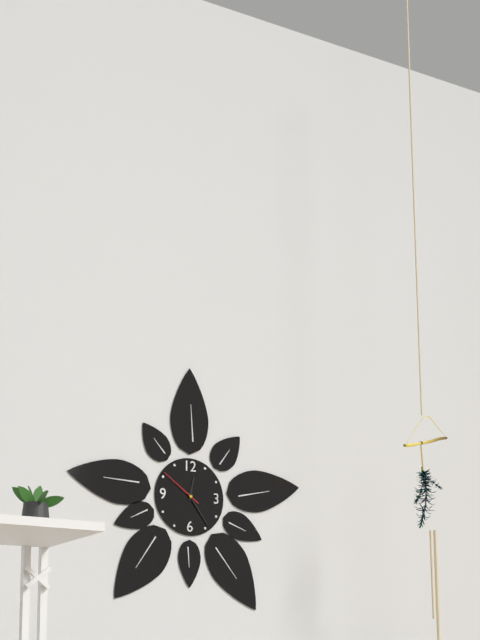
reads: 12,24
